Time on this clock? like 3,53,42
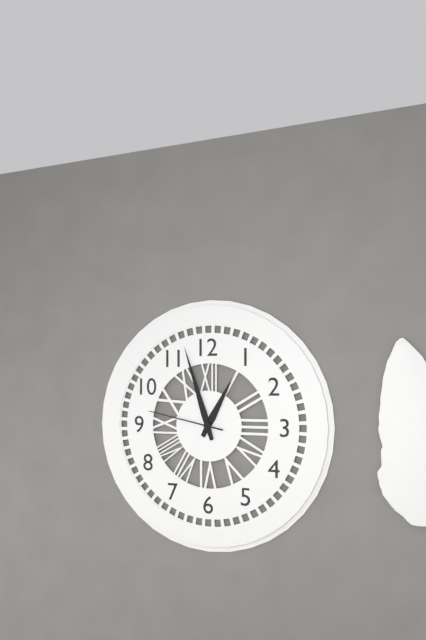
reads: 12,57,47
